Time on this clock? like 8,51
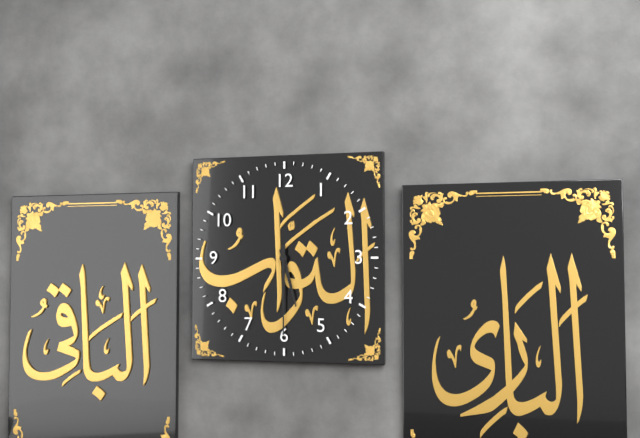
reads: 5,30
